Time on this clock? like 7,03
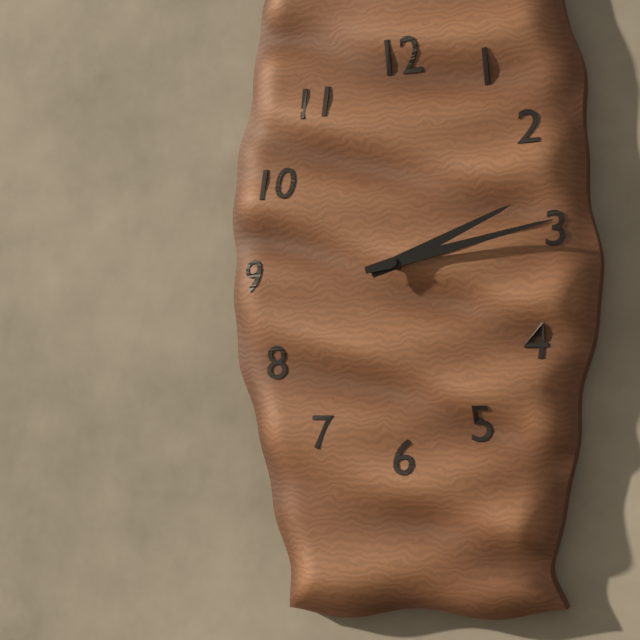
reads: 2,13
